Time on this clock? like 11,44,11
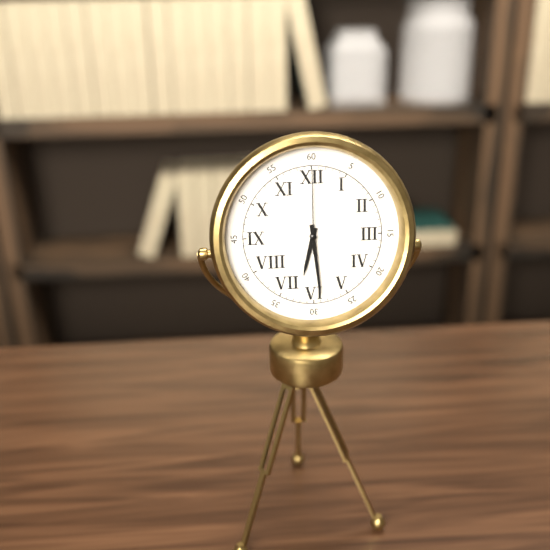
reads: 6,29,00
